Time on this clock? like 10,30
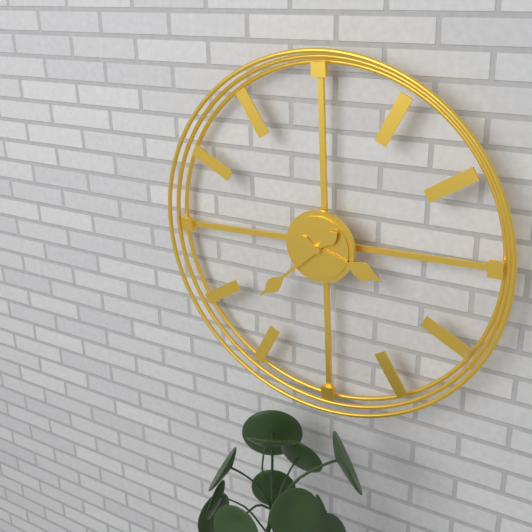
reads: 3,38
